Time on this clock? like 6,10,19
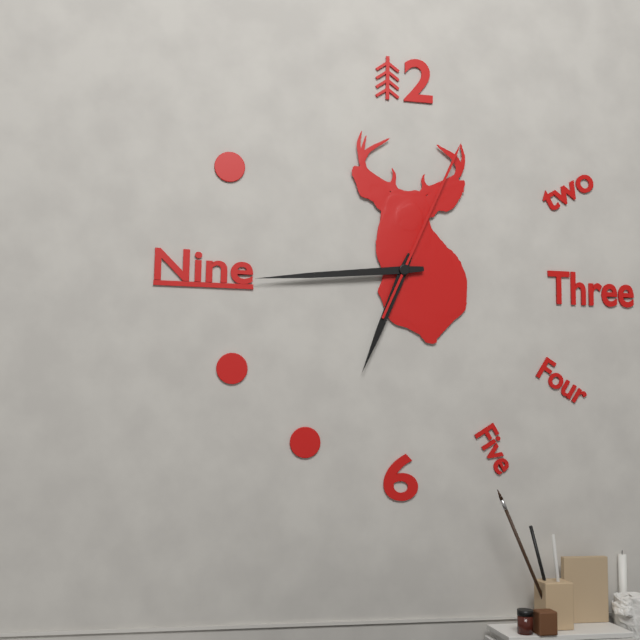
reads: 6,44,04
